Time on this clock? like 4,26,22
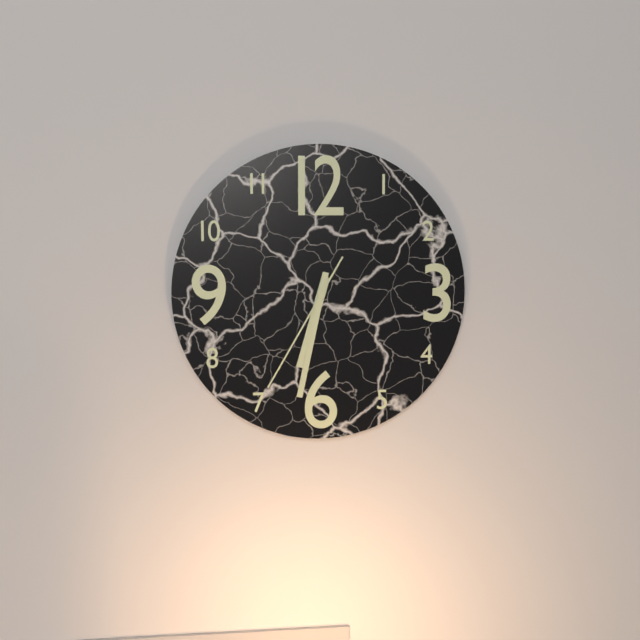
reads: 6,32,35
